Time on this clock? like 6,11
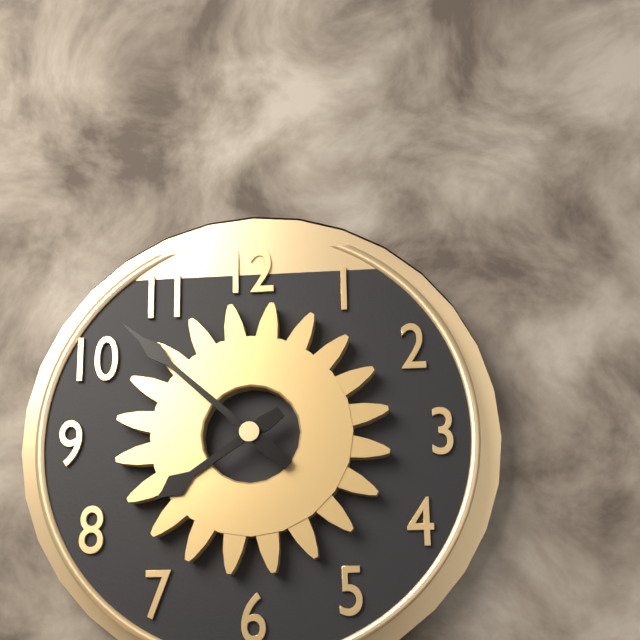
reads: 7,52
